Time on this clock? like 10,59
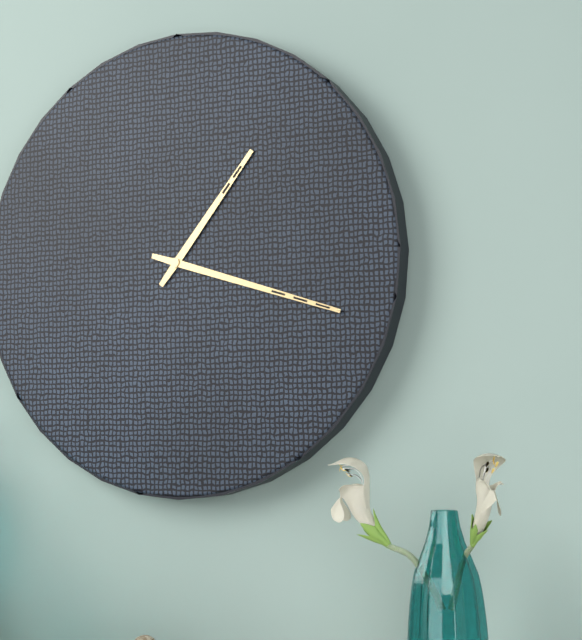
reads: 1,18
